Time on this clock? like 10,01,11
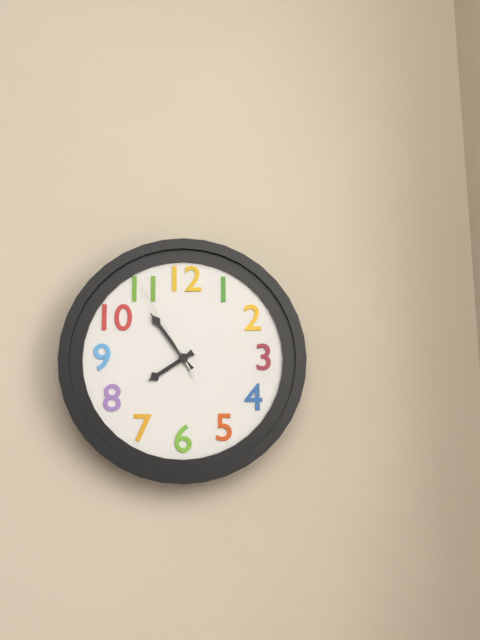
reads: 7,54,55
